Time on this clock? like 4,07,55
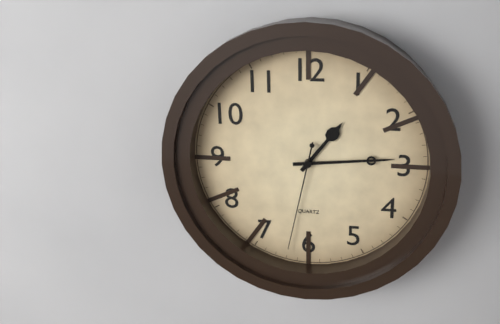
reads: 1,14,32
